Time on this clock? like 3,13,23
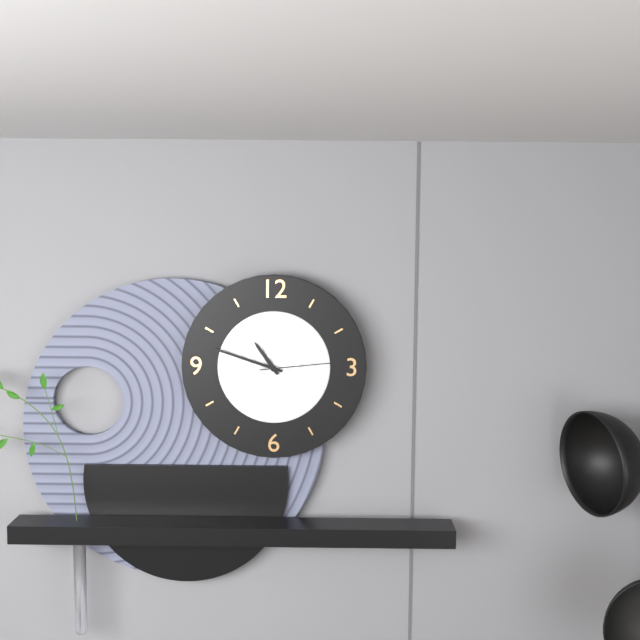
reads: 10,48,14
